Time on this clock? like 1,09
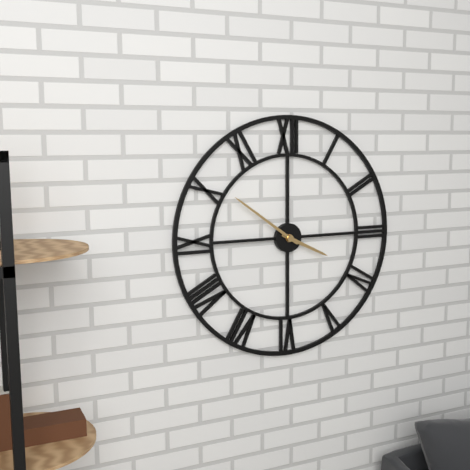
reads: 3,51
